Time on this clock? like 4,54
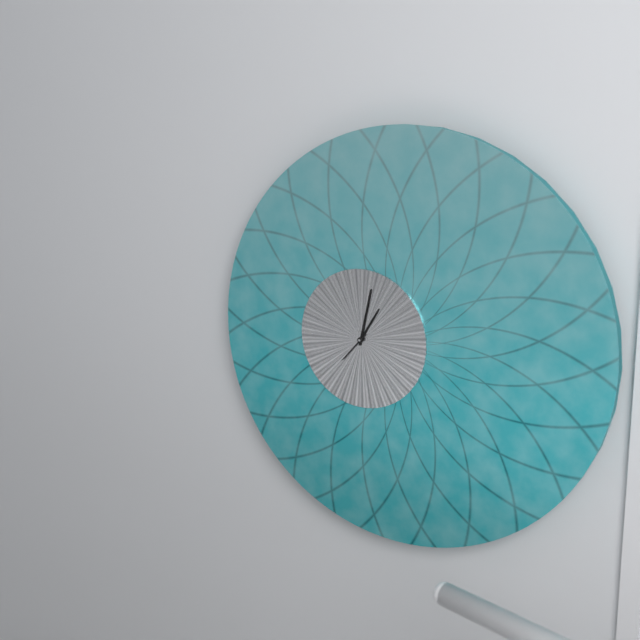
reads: 1,02
